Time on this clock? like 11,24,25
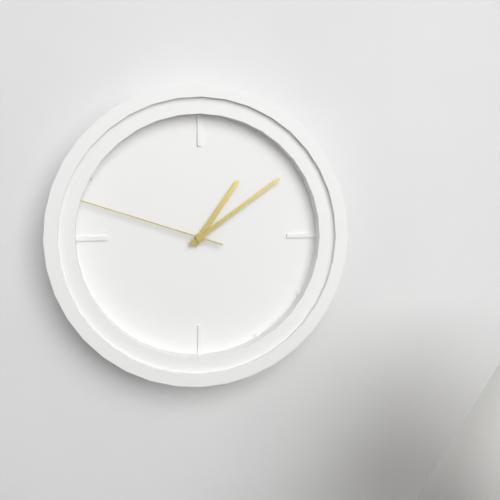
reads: 1,09,48
